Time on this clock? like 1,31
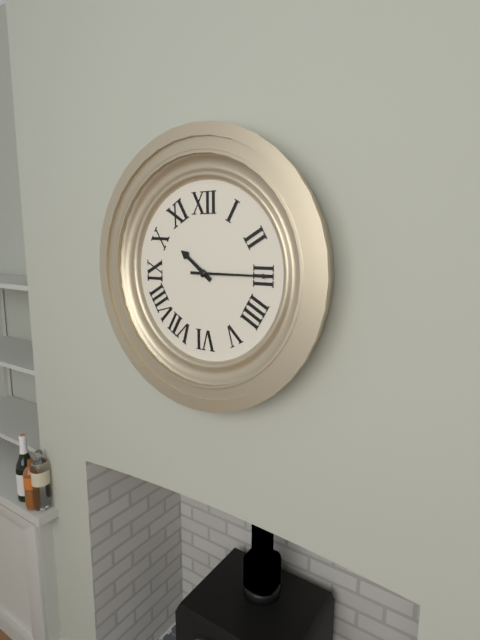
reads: 10,15
